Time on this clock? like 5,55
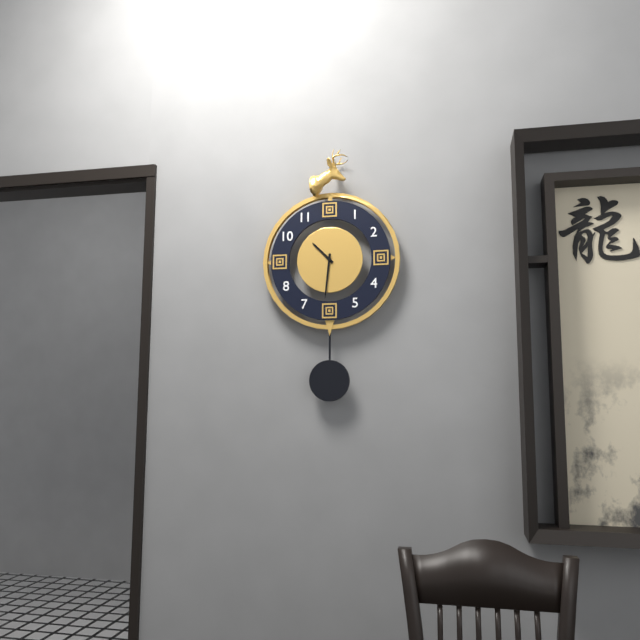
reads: 10,31
